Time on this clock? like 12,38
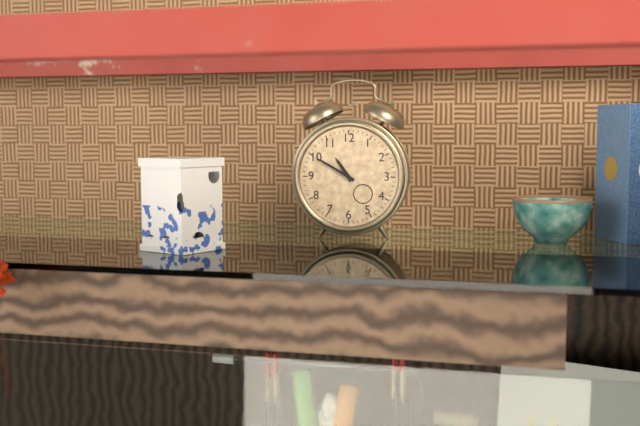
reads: 10,50
